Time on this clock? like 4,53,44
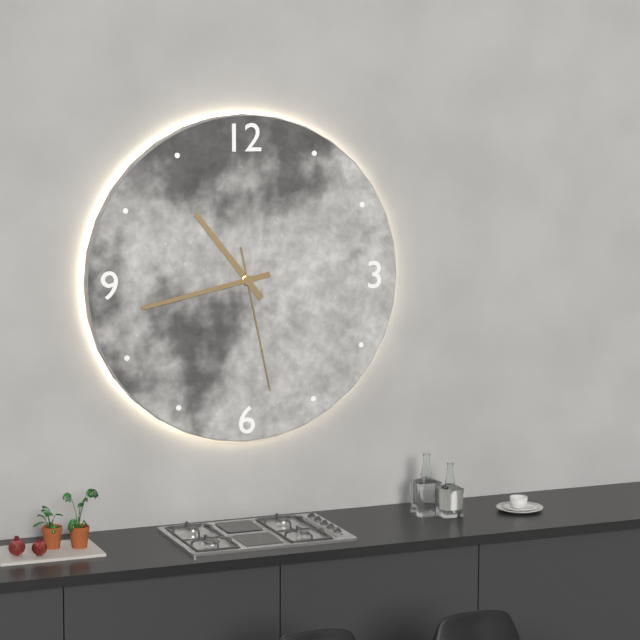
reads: 10,43,28
